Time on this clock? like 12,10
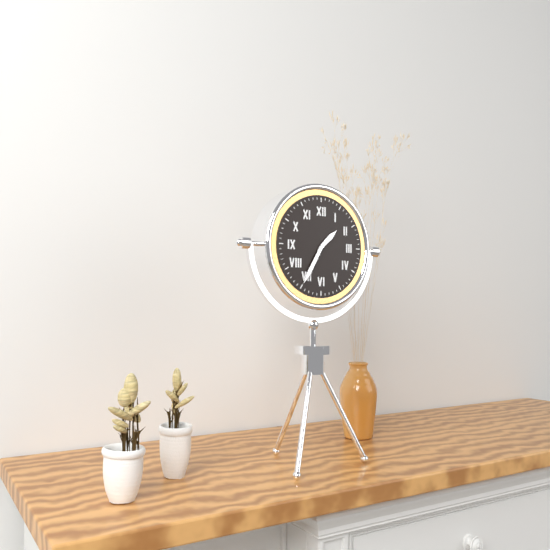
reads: 1,35
